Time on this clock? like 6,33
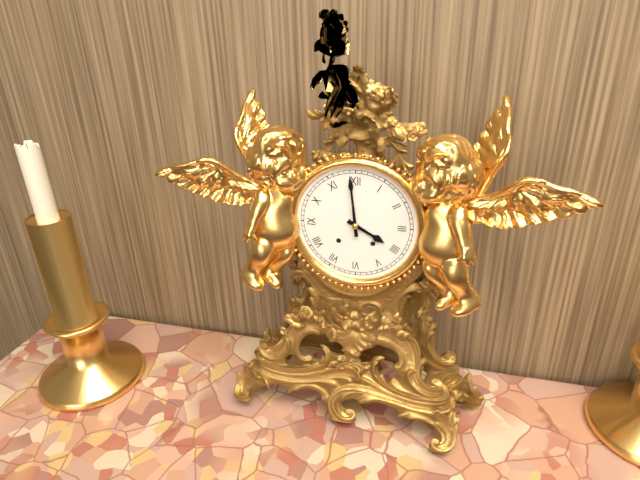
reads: 3,59
